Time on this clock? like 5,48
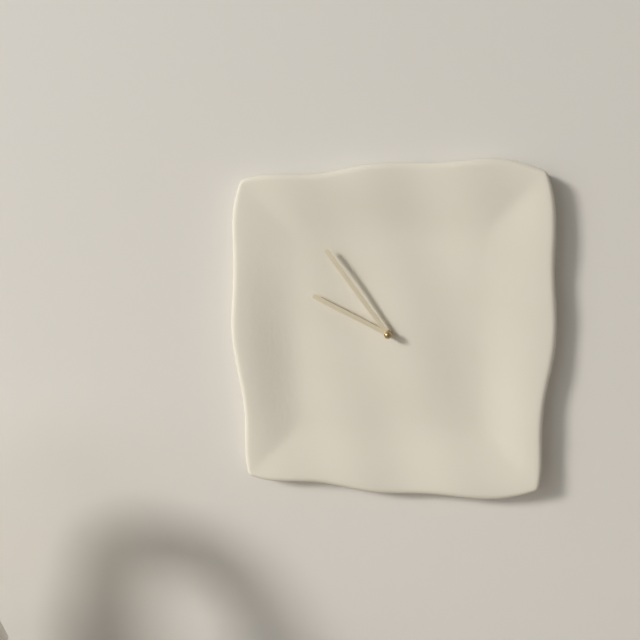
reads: 9,54
